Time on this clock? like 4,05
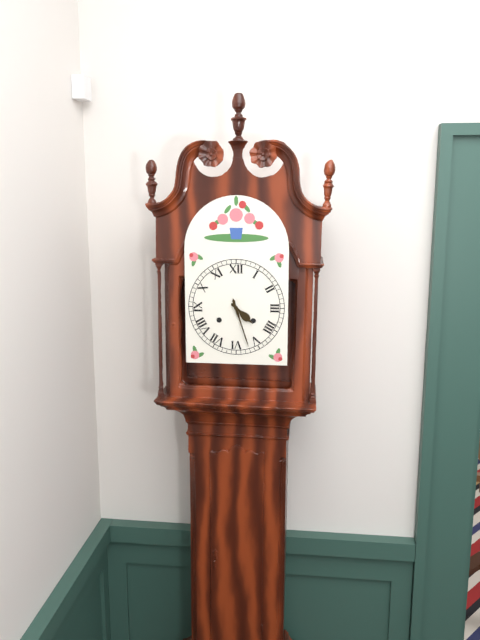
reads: 4,27
